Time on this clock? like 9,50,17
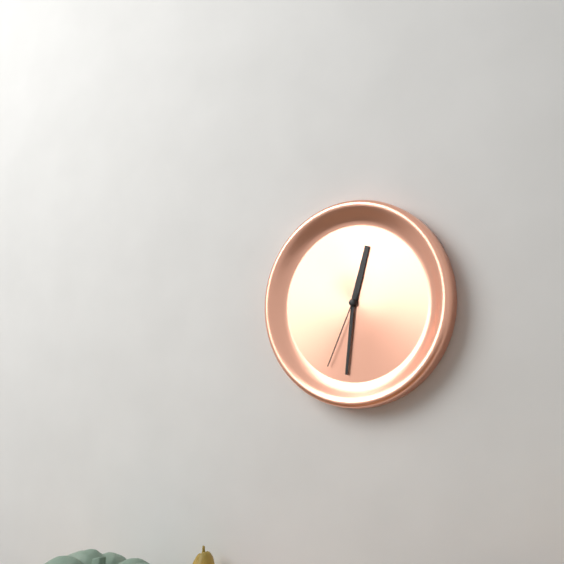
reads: 12,31,34
